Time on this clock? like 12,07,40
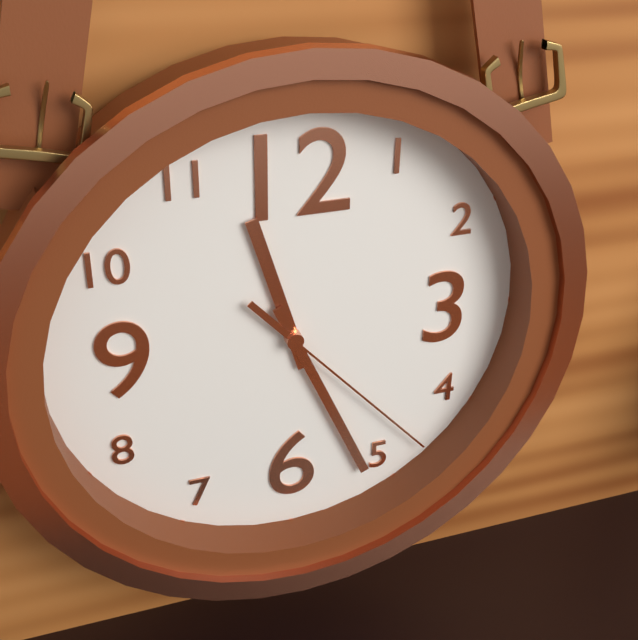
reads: 11,26,23
